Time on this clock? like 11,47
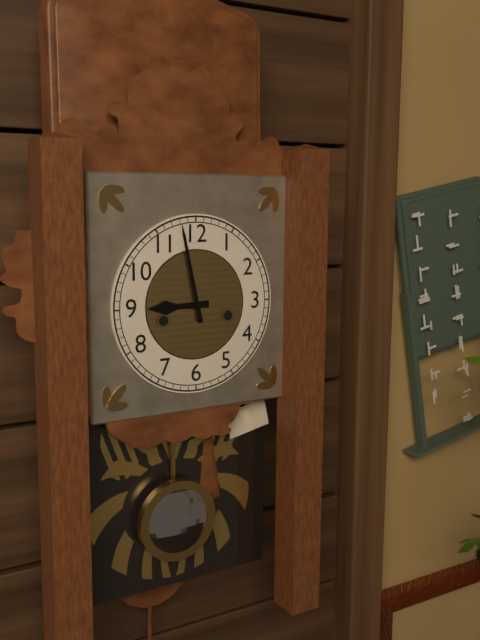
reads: 8,58
